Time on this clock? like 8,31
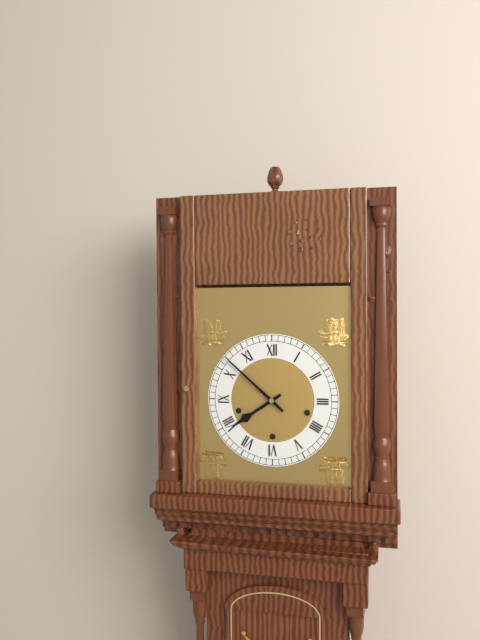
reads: 7,52
